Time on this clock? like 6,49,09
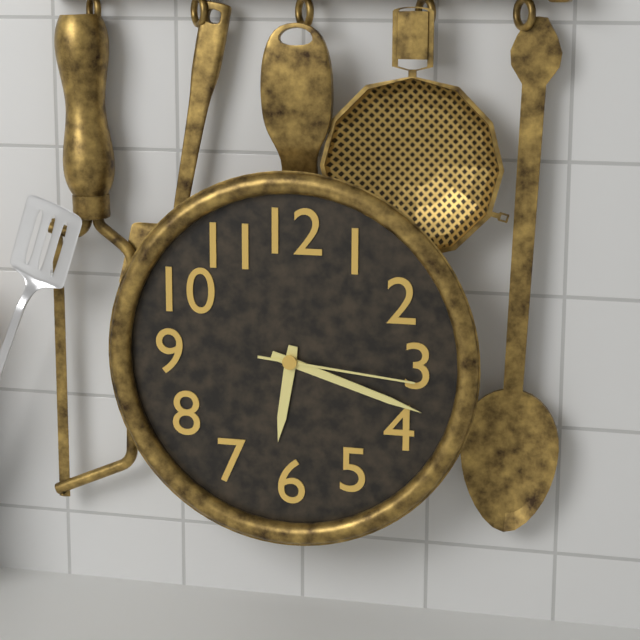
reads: 6,18,16
